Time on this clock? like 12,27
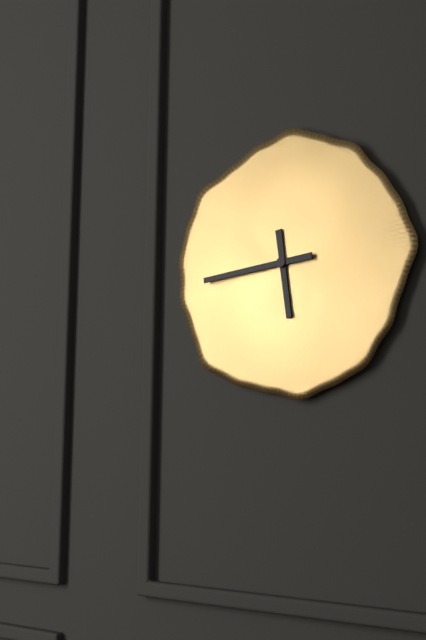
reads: 5,44
